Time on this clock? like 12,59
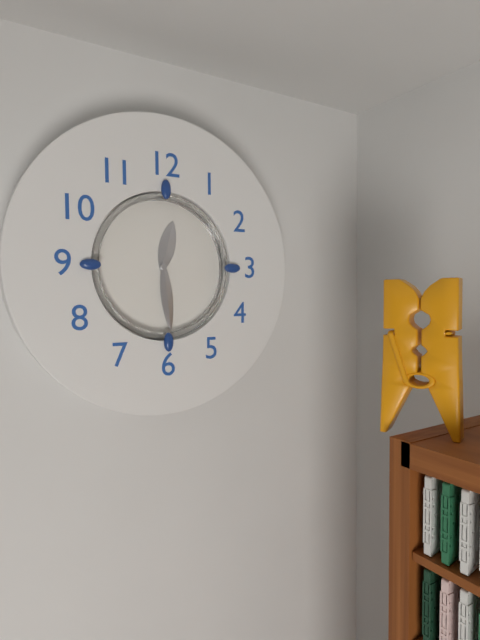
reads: 12,29
